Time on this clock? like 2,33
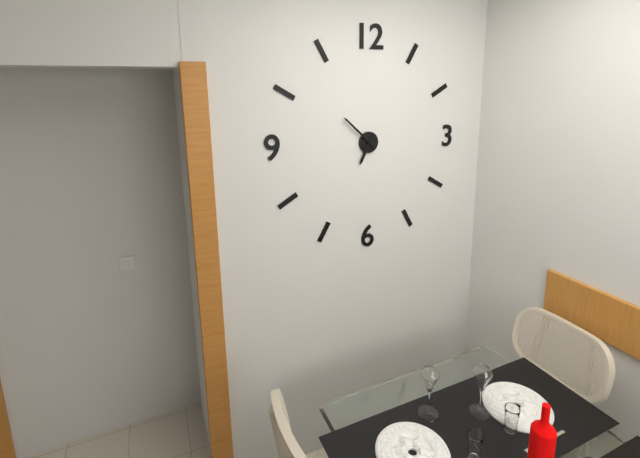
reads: 6,52
